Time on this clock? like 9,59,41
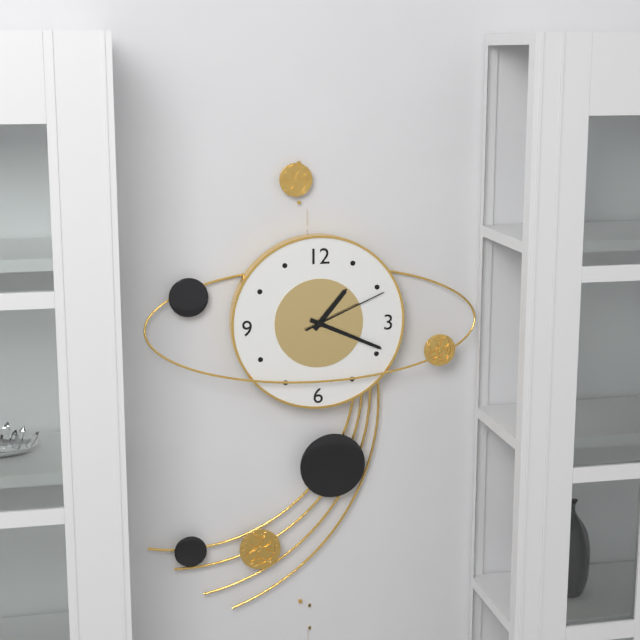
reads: 1,19,11
